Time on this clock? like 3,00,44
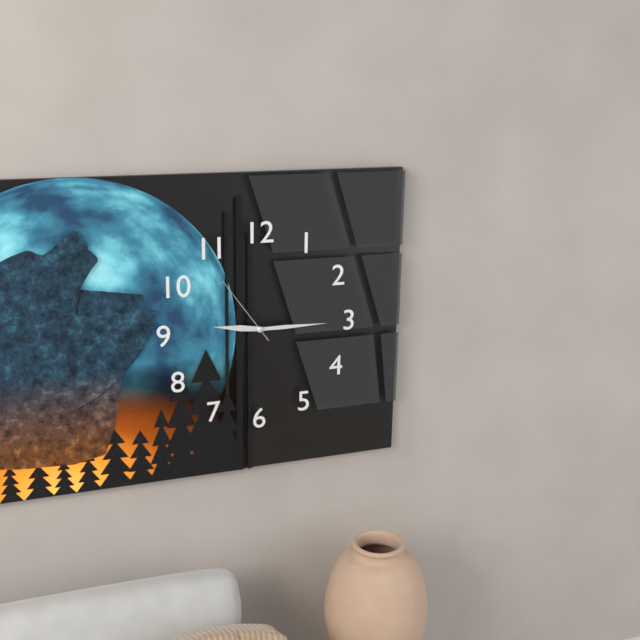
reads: 9,15,54
